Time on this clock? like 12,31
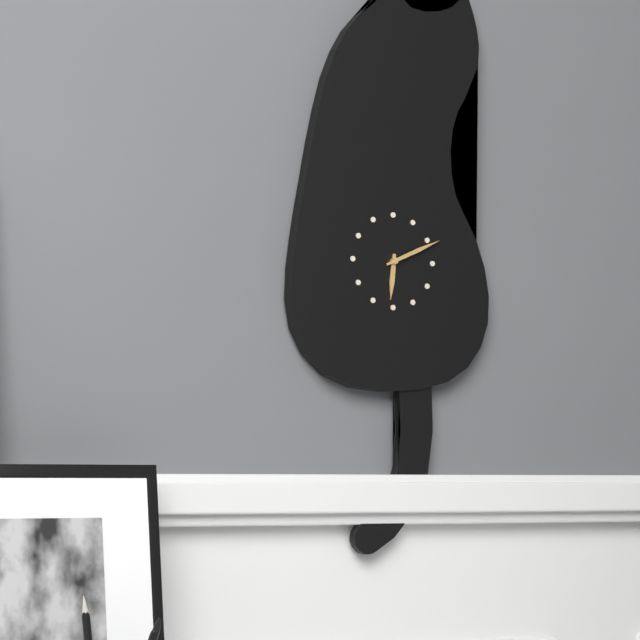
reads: 6,11
